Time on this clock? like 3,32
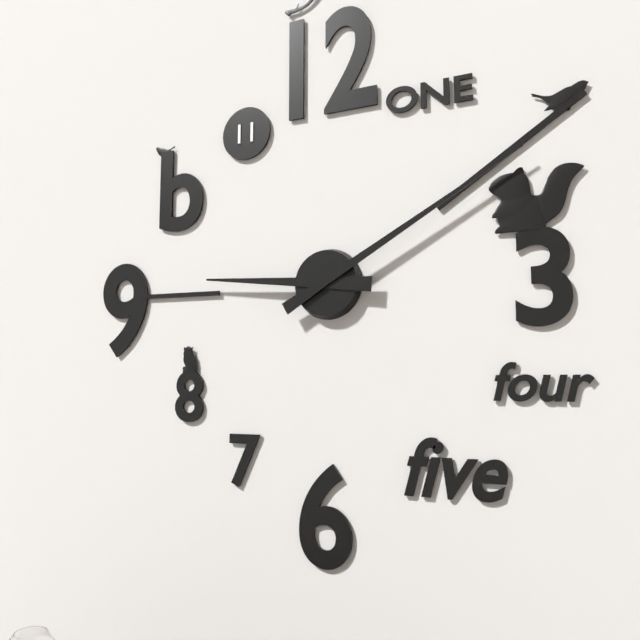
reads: 9,10
